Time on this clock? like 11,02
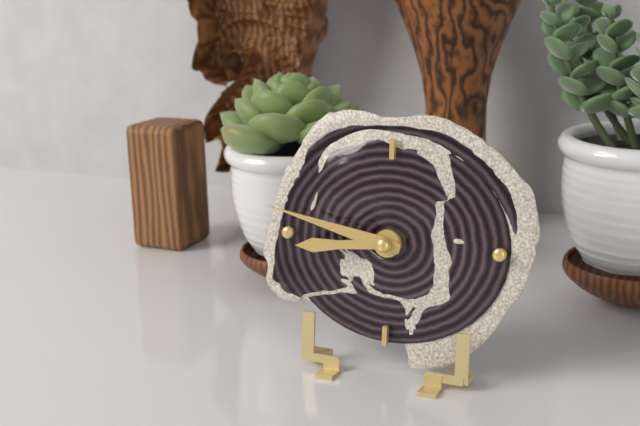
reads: 8,47
